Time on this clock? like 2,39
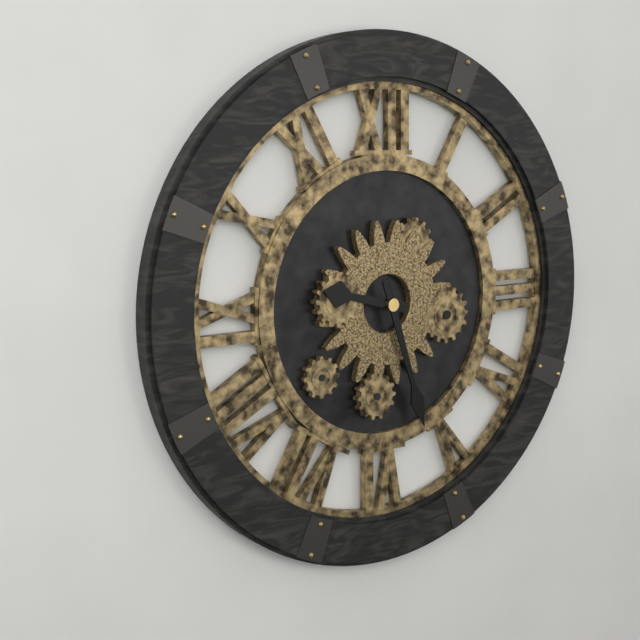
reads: 9,27
